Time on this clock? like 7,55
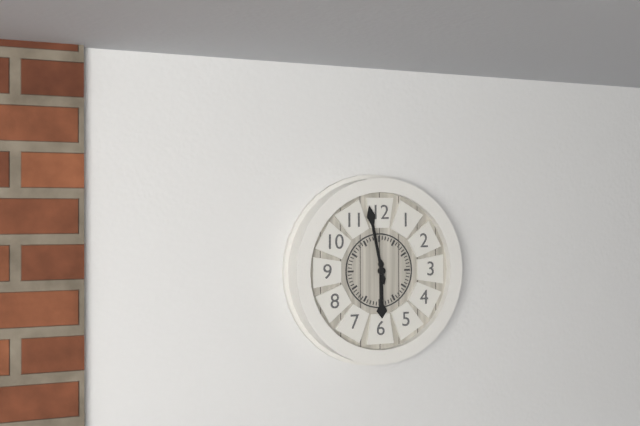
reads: 5,58
